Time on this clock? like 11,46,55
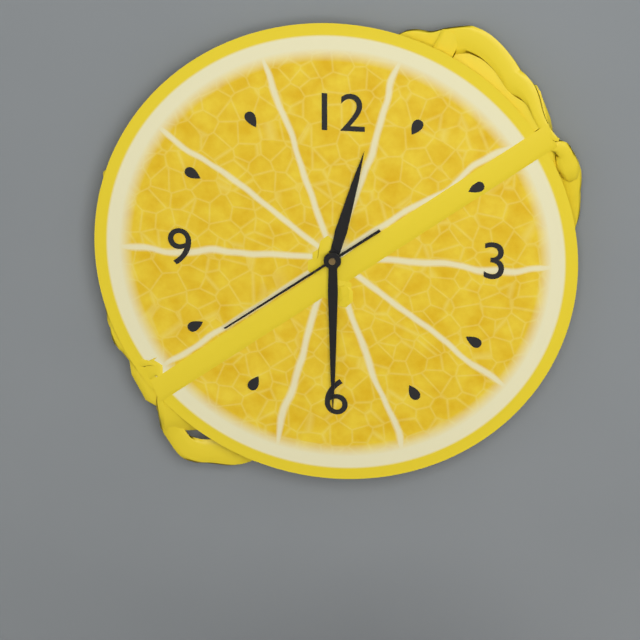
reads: 12,30,39
